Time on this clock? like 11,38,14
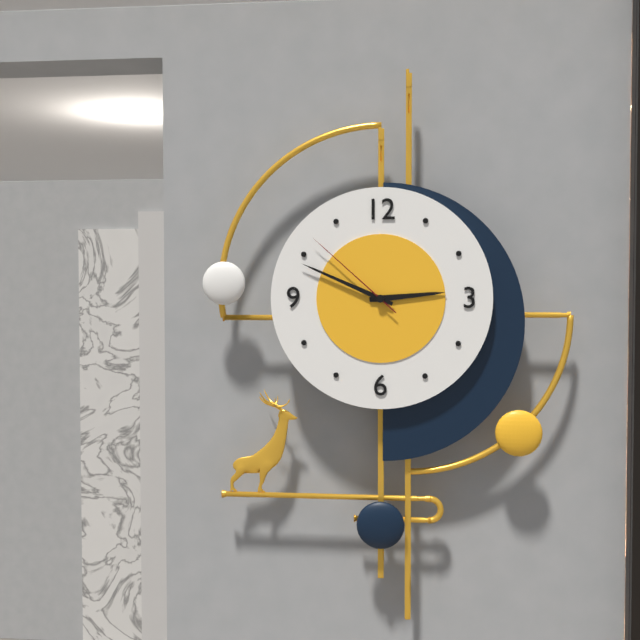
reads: 2,49,52
